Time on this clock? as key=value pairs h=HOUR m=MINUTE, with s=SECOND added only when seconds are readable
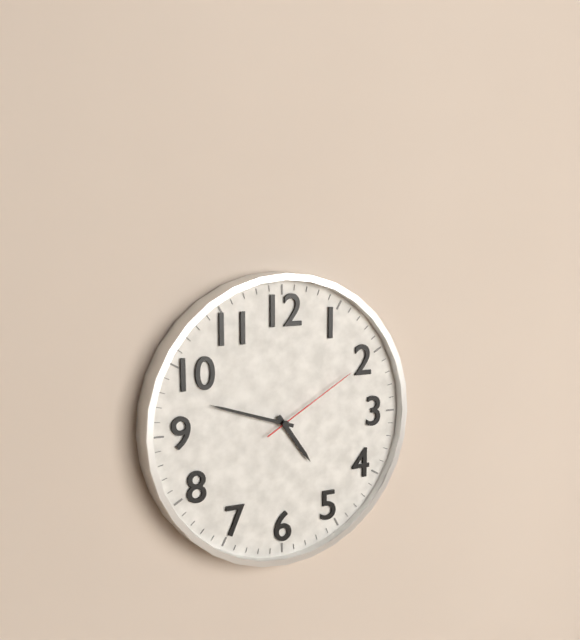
h=4 m=48 s=10
